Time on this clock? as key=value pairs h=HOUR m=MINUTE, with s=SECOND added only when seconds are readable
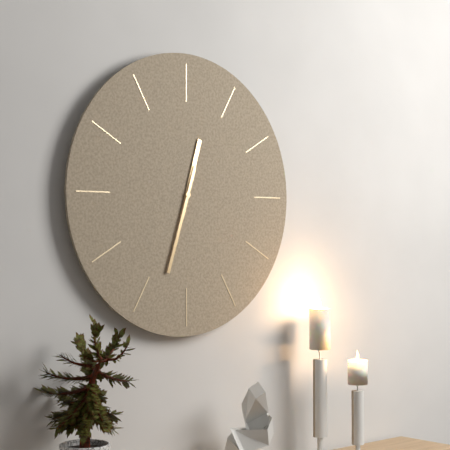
h=12 m=33
